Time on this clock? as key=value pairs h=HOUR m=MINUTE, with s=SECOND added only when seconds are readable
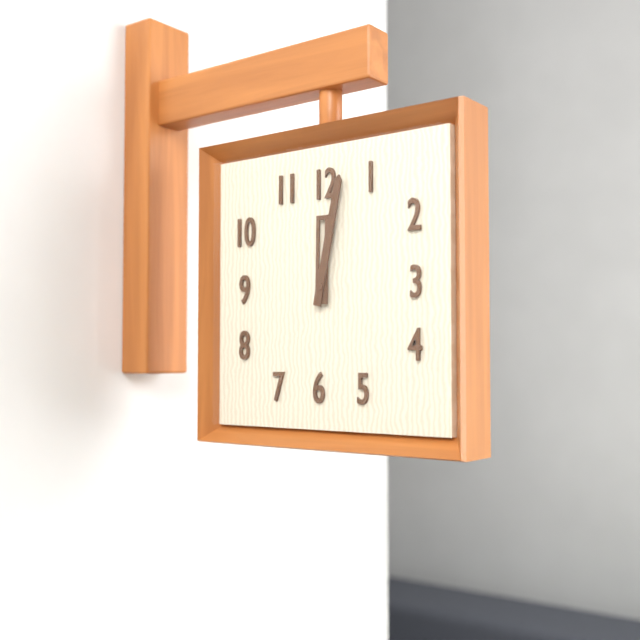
h=12 m=2
